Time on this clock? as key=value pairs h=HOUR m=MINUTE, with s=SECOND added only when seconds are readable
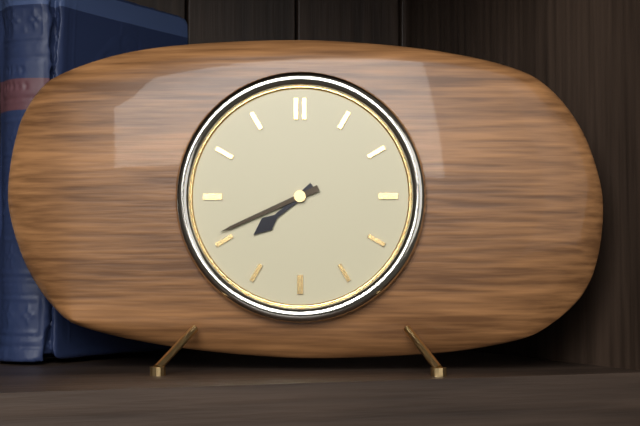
h=7 m=41
